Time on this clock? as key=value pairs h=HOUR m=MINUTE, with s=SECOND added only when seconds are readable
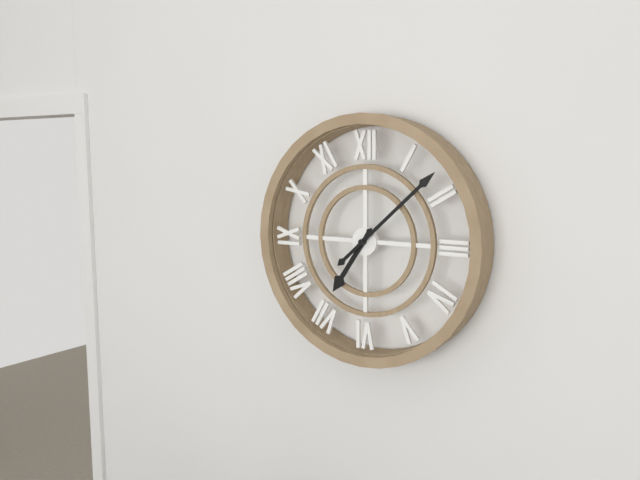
h=7 m=8
